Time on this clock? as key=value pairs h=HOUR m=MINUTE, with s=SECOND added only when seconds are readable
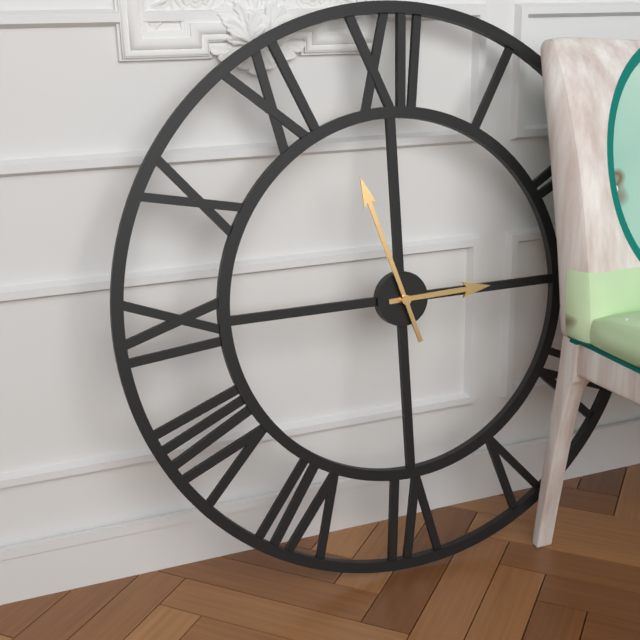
h=2 m=57
